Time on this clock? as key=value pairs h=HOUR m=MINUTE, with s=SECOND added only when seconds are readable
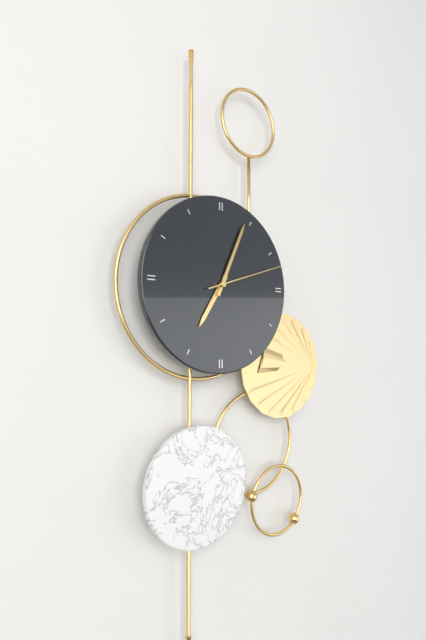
h=7 m=4 s=12
